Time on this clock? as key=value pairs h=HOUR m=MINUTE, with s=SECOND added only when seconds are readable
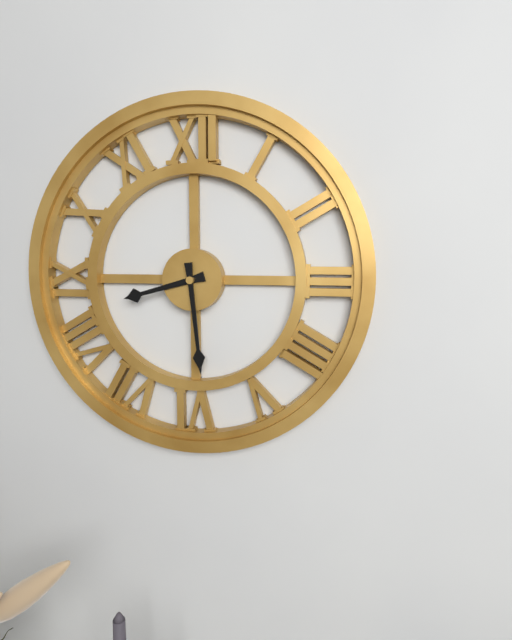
h=8 m=29
